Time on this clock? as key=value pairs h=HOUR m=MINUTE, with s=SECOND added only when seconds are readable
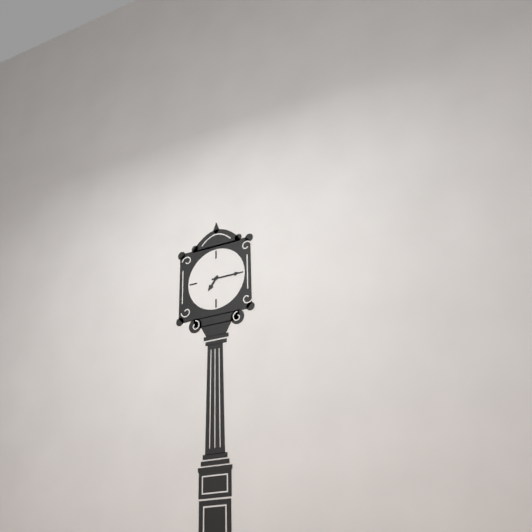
h=7 m=15
